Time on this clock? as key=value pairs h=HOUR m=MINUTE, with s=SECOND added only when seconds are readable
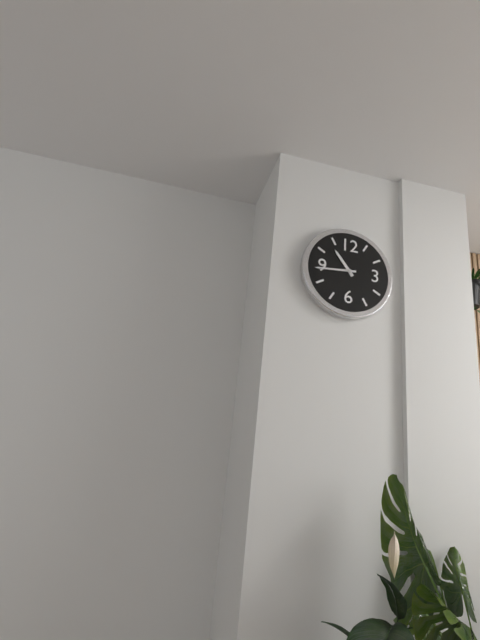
h=10 m=44
